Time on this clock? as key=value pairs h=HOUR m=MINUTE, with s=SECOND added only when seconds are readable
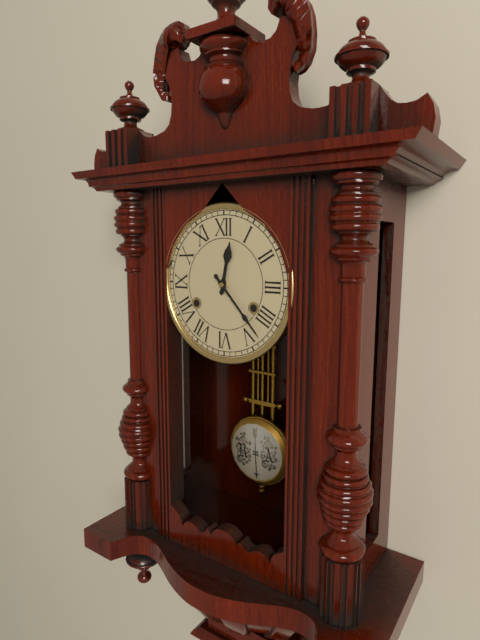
h=12 m=23
